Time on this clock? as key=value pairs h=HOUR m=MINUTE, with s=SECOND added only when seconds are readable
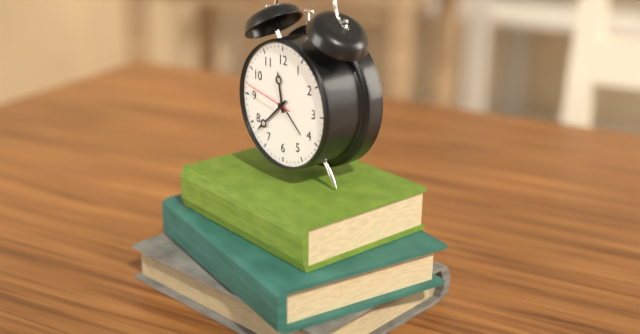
h=11 m=38 s=47
